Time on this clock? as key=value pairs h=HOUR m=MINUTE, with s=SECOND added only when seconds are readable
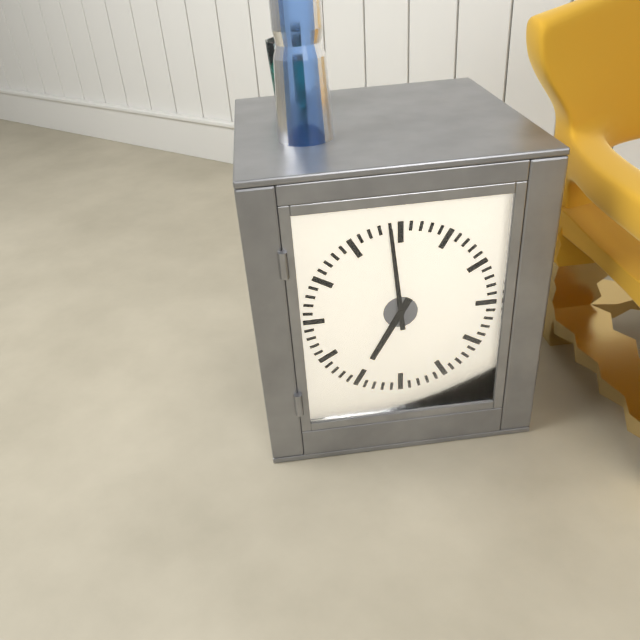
h=6 m=59
